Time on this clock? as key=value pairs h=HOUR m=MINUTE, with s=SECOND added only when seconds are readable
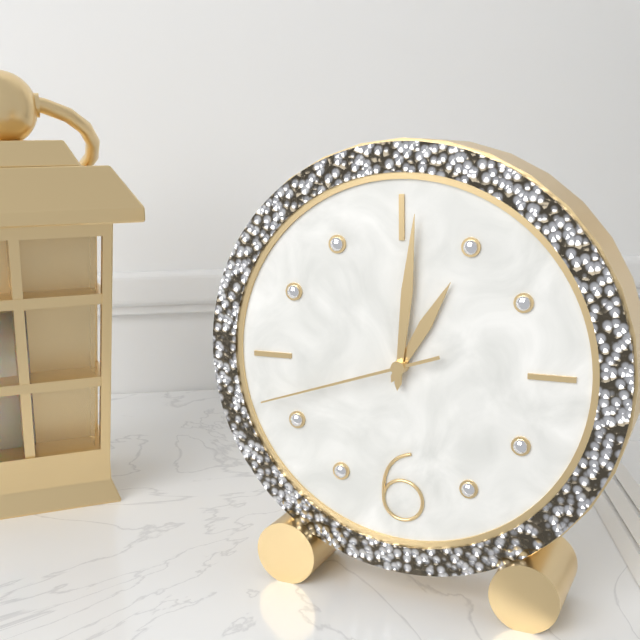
h=1 m=1 s=42
